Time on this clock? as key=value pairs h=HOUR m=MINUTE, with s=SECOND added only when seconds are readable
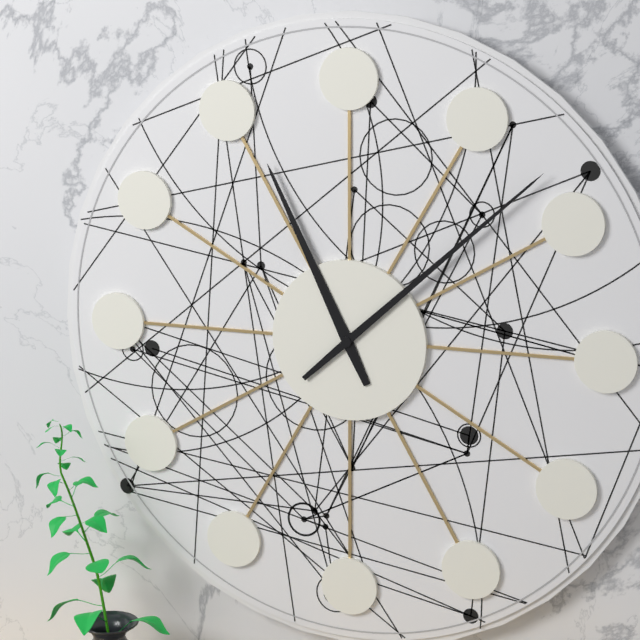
h=11 m=8
